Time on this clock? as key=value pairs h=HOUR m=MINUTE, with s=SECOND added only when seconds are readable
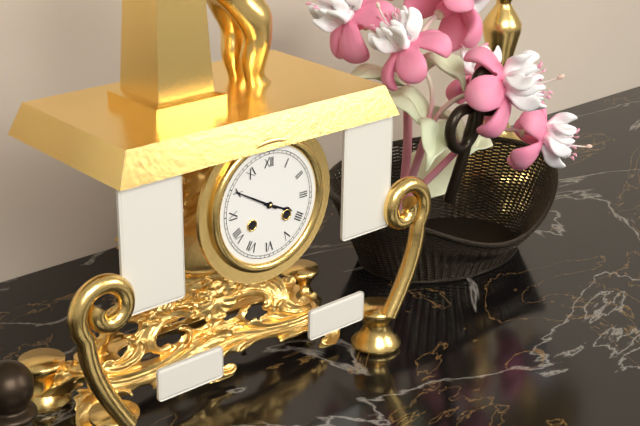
h=3 m=50
